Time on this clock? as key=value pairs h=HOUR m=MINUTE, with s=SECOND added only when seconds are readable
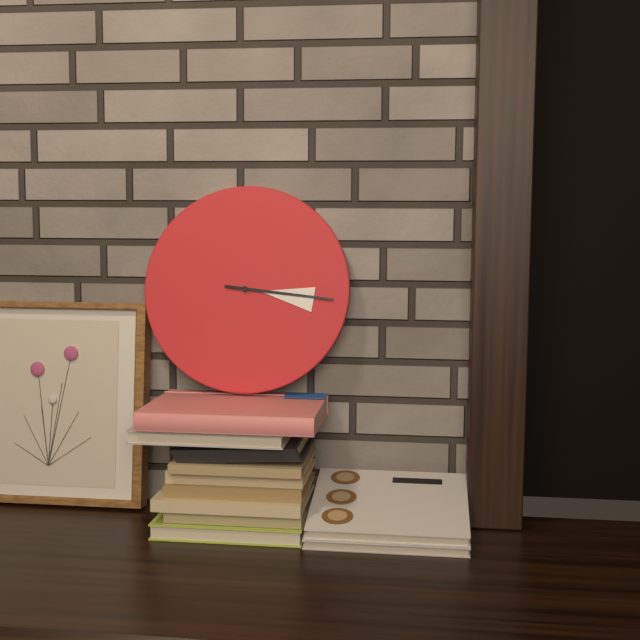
h=3 m=16
